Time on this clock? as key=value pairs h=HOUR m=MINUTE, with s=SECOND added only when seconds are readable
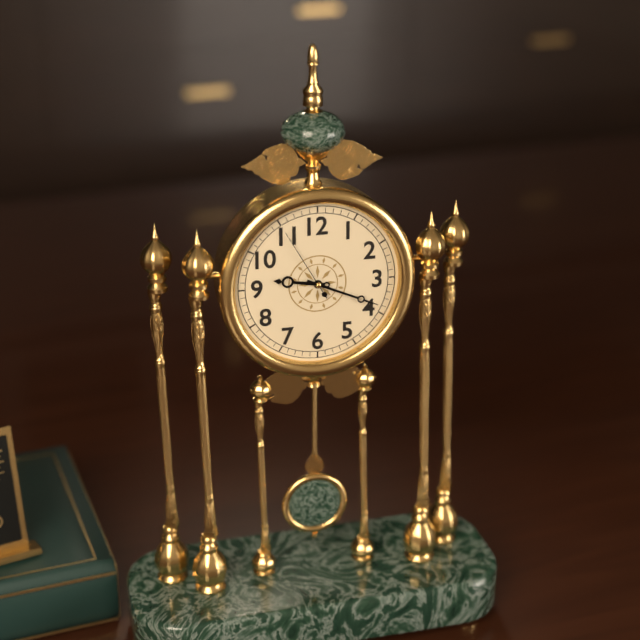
h=9 m=19 s=55
